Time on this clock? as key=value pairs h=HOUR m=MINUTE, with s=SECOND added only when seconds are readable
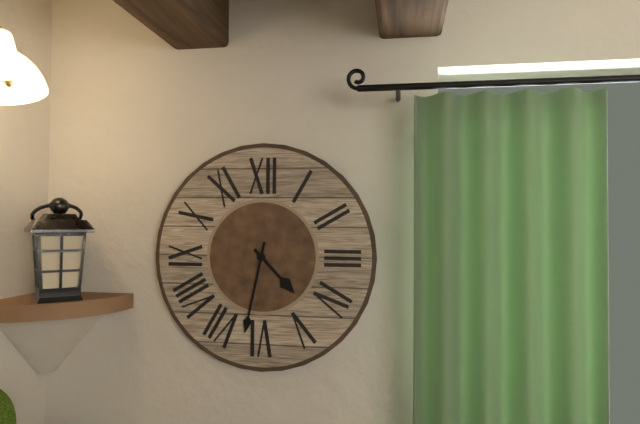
h=4 m=32
